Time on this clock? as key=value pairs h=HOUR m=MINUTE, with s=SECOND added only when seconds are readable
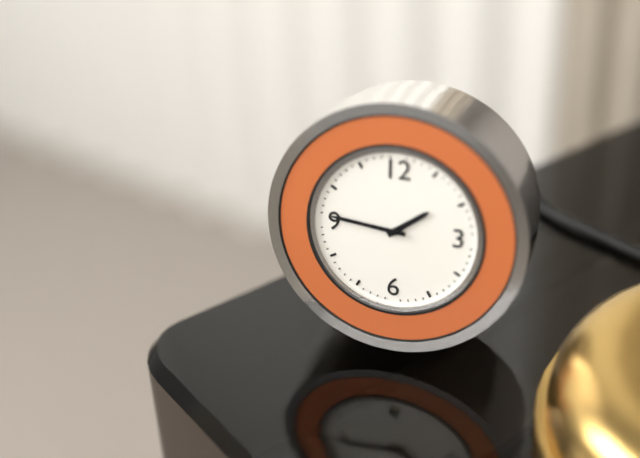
h=1 m=46
